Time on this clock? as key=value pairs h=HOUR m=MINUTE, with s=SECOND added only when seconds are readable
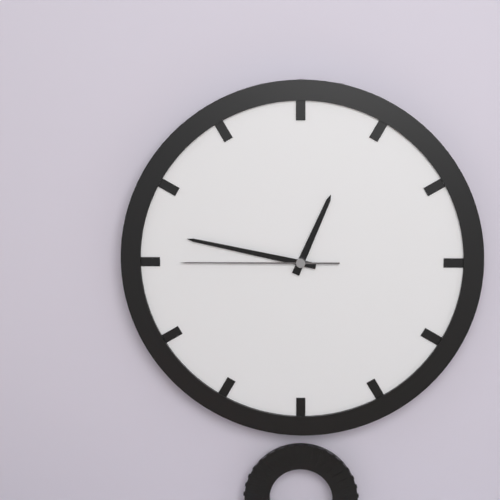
h=12 m=47 s=45
